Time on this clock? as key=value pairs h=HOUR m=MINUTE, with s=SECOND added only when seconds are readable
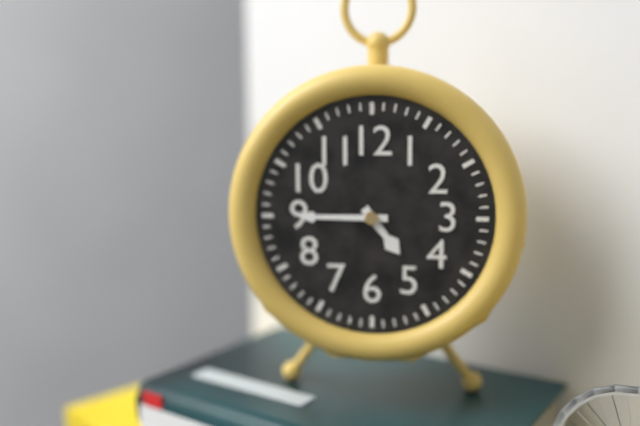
h=4 m=45
